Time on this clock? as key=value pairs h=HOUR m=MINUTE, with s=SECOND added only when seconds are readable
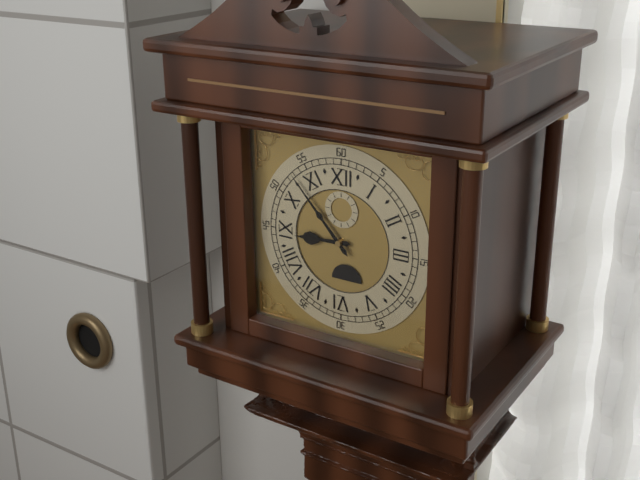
h=8 m=53
